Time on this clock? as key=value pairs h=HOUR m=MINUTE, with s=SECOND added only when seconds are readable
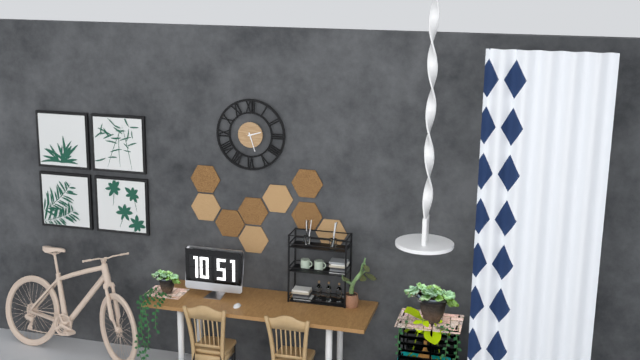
h=2 m=27
